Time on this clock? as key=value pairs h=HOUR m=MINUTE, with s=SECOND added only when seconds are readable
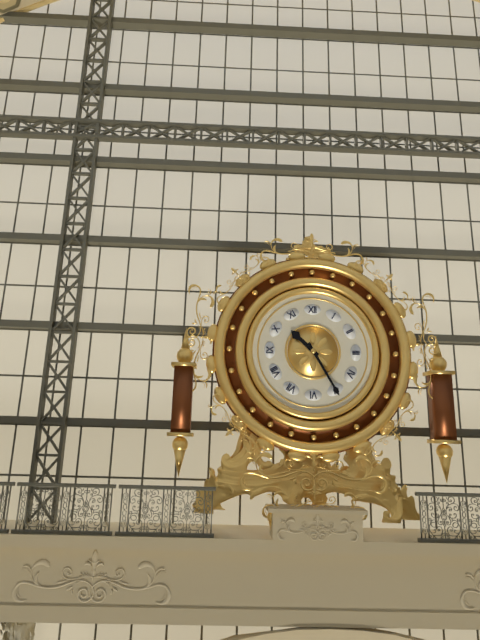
h=10 m=25
